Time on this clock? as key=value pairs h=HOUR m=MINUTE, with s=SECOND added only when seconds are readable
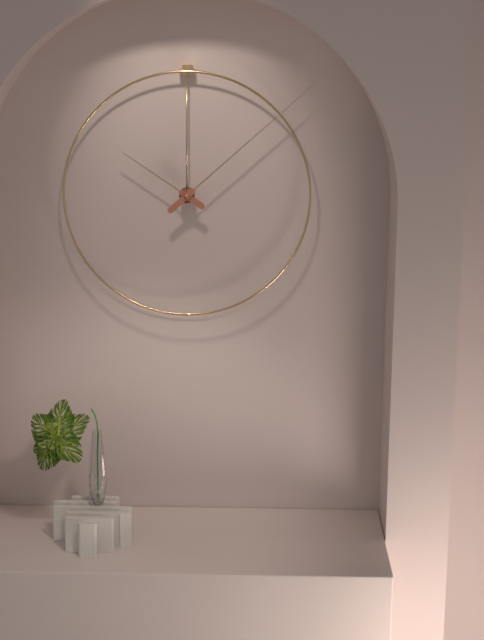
h=10 m=8
